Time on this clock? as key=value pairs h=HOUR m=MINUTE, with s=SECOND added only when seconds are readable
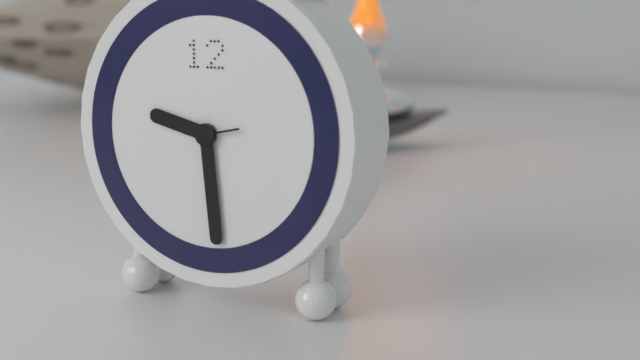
h=9 m=29
